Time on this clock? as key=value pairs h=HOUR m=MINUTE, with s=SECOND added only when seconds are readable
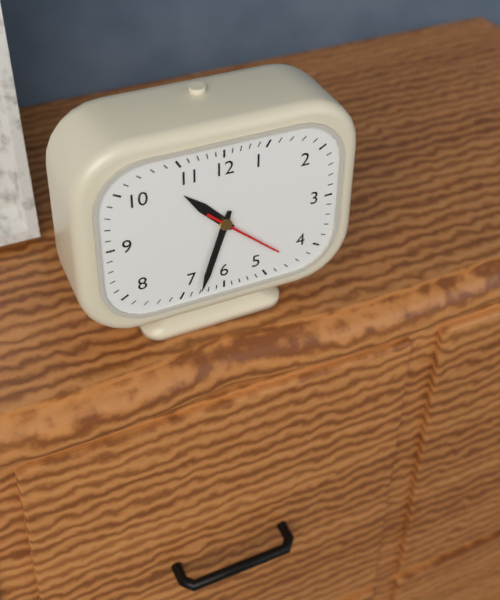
h=10 m=33 s=22
